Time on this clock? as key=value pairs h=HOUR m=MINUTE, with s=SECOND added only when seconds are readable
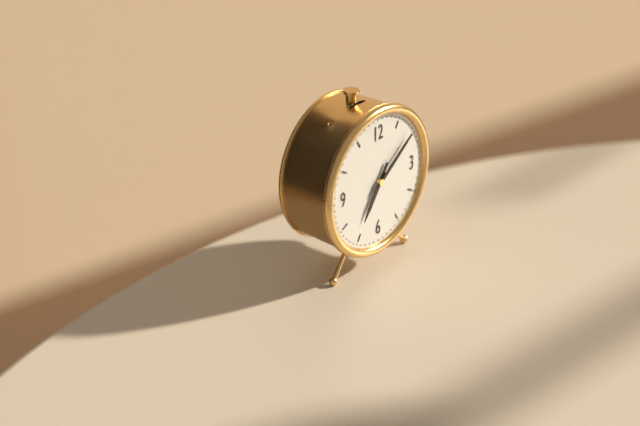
h=7 m=9
